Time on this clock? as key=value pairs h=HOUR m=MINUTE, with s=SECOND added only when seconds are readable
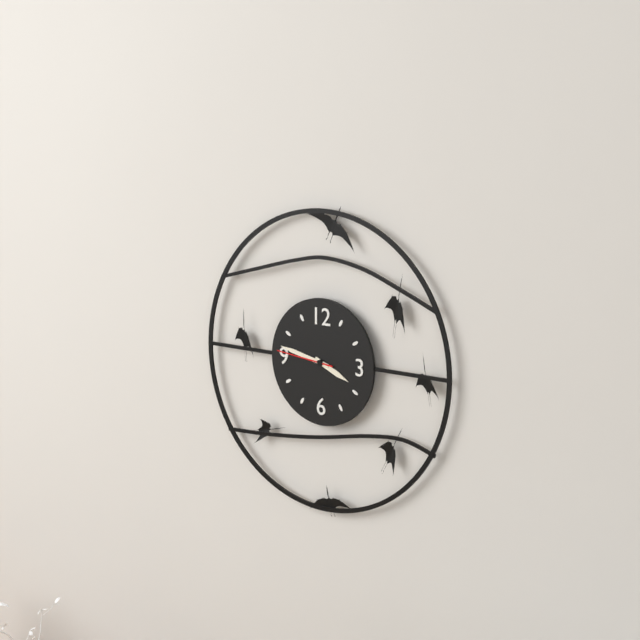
h=3 m=47 s=46
